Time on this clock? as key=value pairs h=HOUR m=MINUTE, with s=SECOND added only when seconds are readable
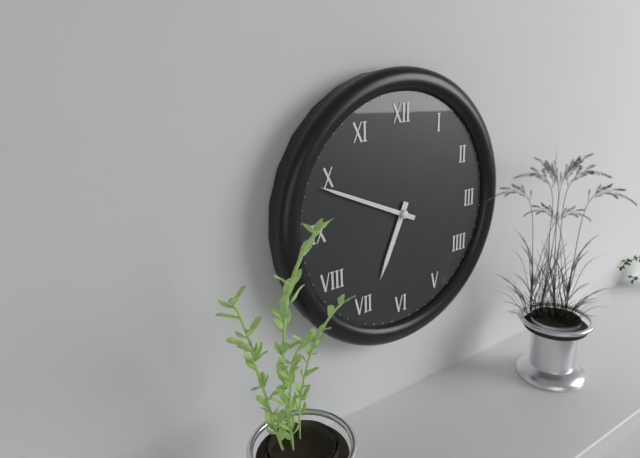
h=6 m=49
